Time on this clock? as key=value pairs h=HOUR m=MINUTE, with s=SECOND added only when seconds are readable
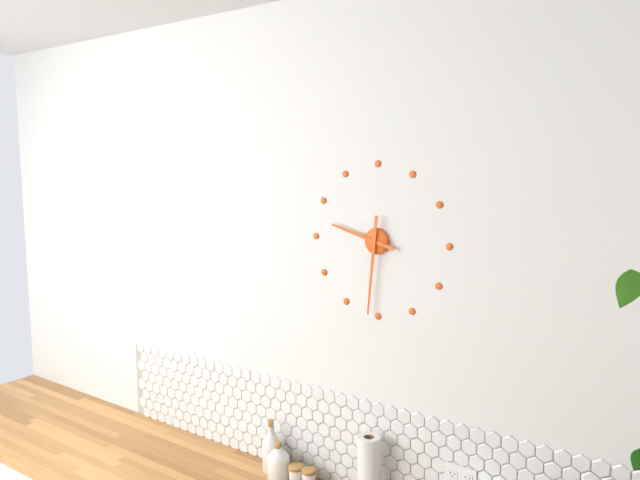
h=9 m=31
